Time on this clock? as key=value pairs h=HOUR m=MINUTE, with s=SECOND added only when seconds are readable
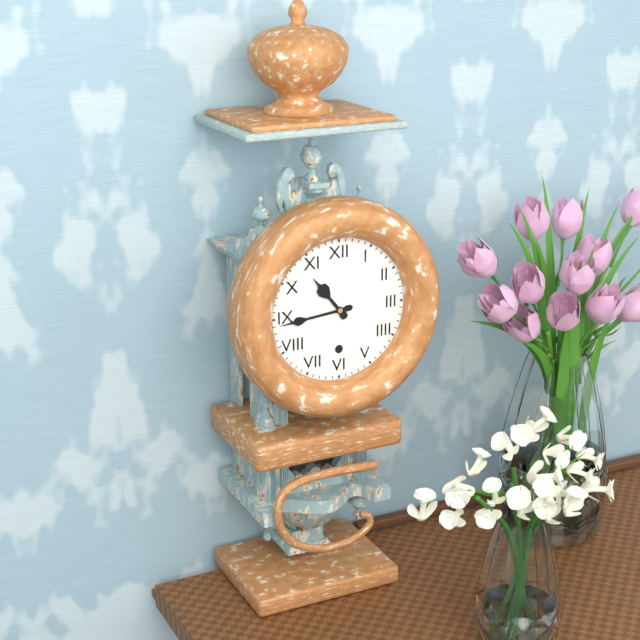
h=10 m=44
